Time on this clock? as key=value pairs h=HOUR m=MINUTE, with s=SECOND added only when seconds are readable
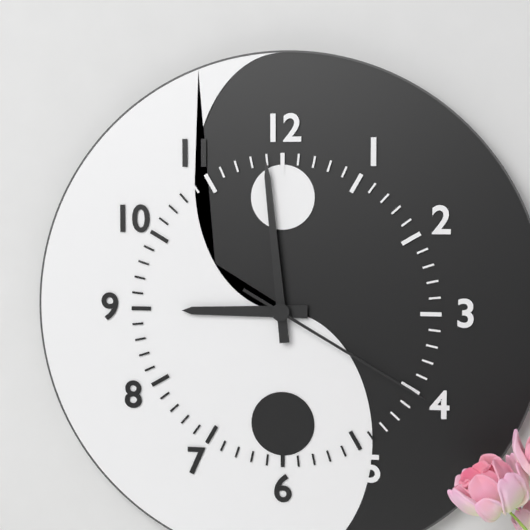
h=8 m=59 s=20
